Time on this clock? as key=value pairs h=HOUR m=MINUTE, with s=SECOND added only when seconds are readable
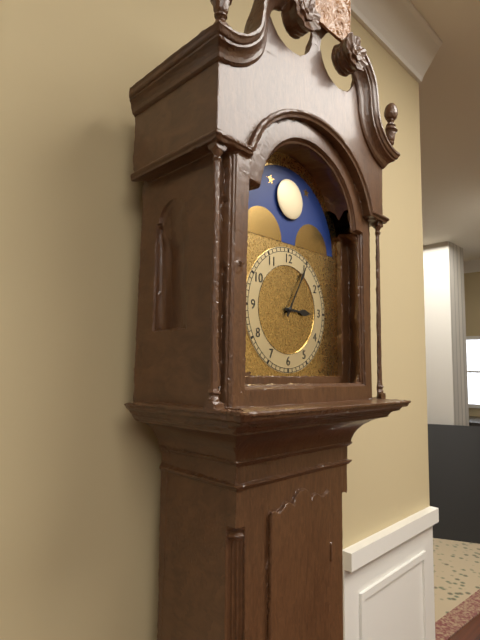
h=3 m=5
